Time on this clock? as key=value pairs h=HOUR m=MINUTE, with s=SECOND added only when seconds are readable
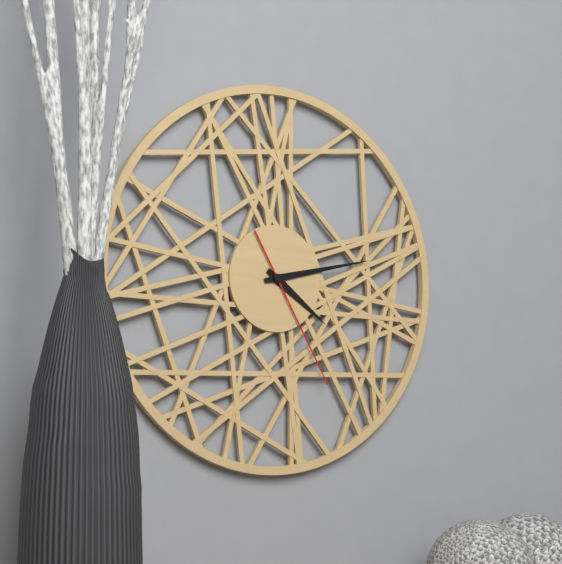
h=4 m=13 s=25
